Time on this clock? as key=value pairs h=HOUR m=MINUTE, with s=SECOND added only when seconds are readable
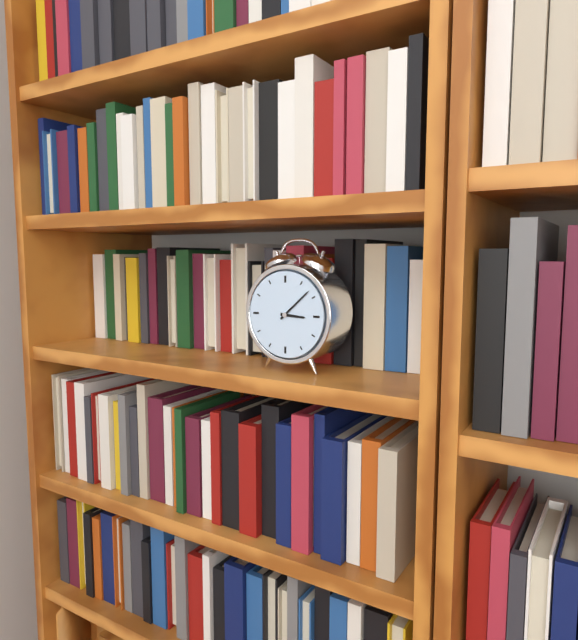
h=3 m=8
